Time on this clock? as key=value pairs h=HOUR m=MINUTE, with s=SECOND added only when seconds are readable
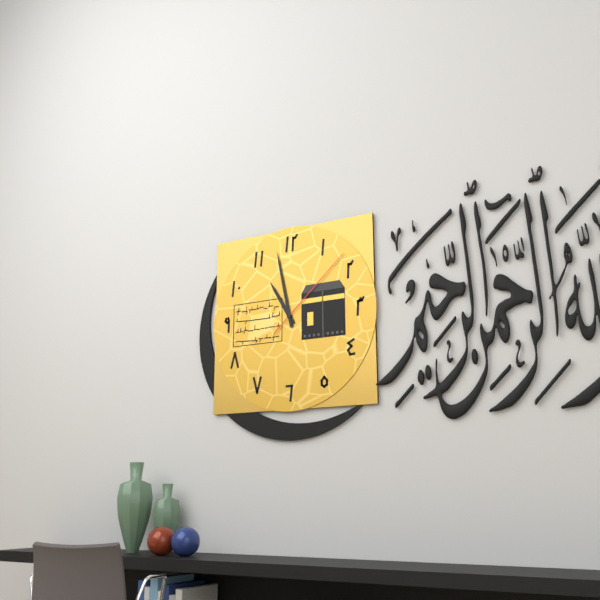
h=10 m=58 s=8
